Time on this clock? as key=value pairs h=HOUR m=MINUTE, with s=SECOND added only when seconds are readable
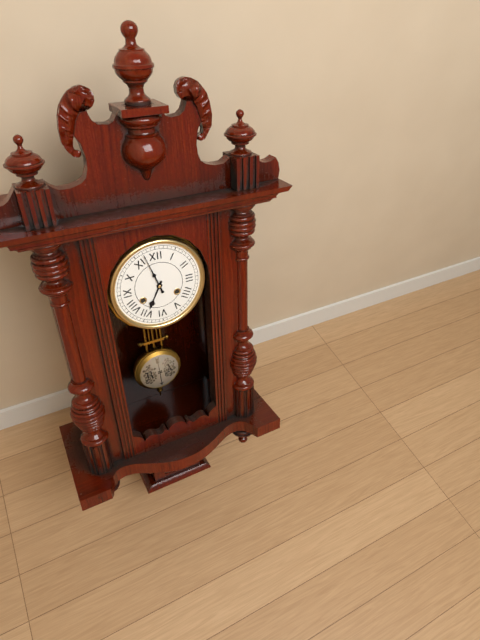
h=6 m=57
